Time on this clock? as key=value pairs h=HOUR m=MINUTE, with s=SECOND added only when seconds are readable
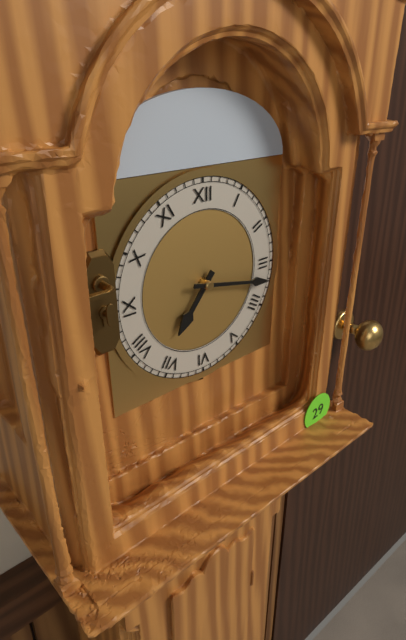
h=7 m=17
